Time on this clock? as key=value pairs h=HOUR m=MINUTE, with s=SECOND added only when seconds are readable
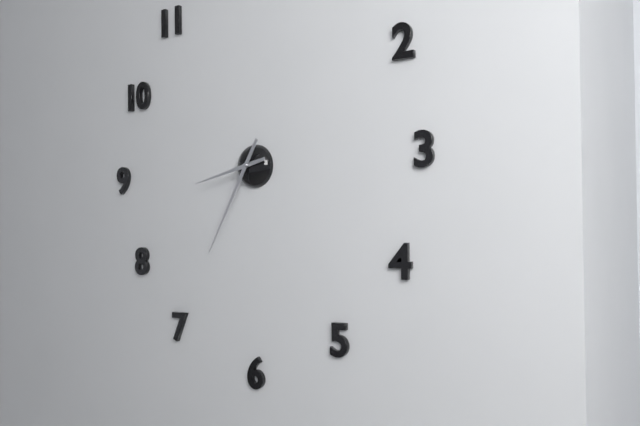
h=8 m=35
